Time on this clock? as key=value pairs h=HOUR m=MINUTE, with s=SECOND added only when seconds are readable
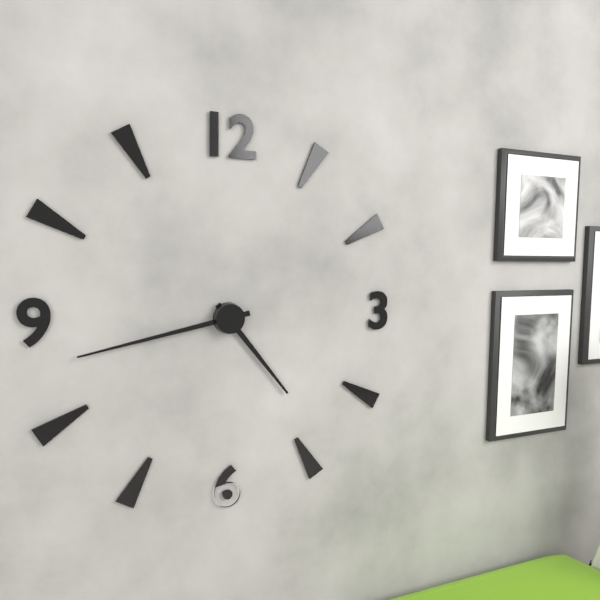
h=4 m=43
